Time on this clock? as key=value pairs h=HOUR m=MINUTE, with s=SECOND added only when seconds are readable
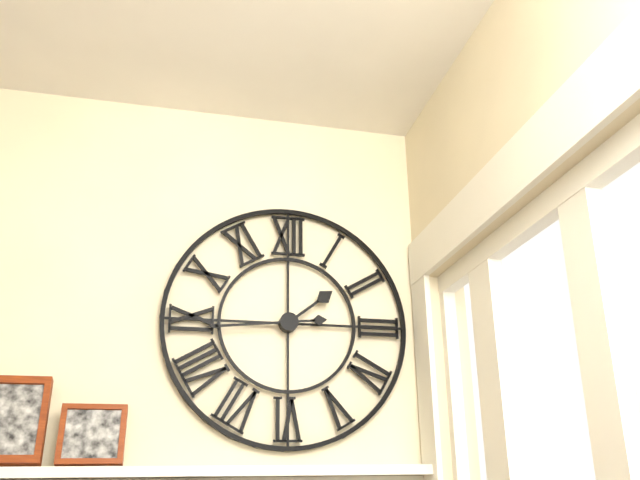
h=1 m=44
